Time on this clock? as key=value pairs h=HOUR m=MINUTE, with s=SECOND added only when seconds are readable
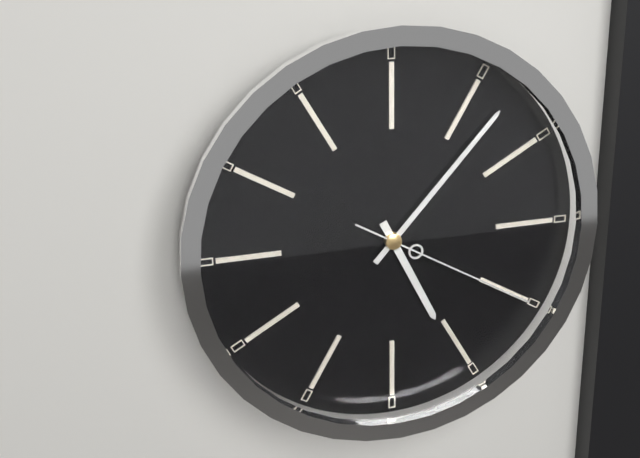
h=5 m=7 s=20
